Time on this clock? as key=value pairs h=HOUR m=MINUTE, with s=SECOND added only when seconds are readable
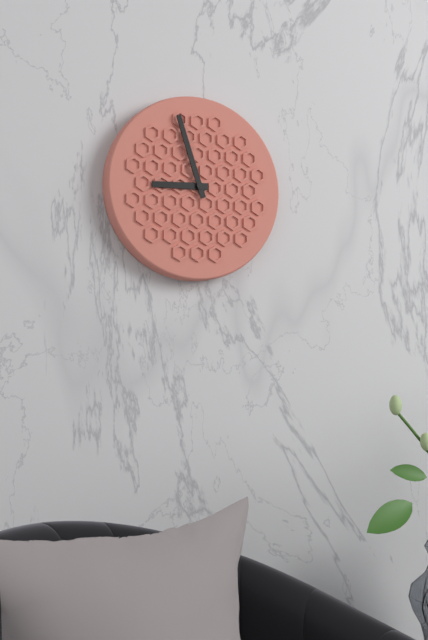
h=8 m=57
